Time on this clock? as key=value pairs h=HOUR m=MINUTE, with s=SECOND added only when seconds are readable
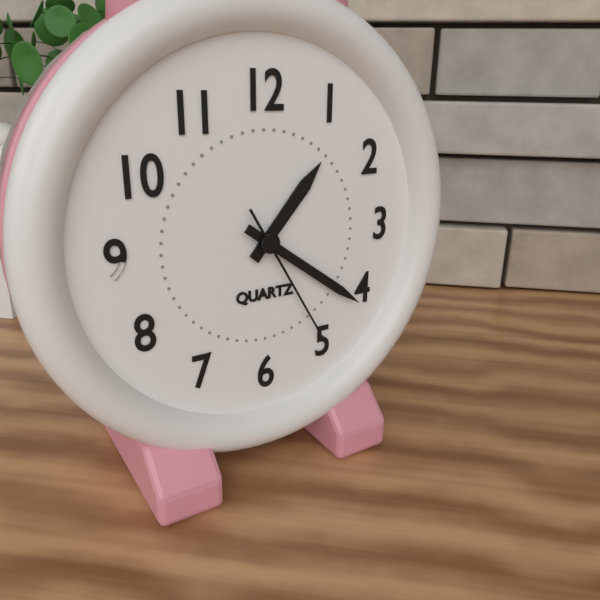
h=1 m=21 s=25
